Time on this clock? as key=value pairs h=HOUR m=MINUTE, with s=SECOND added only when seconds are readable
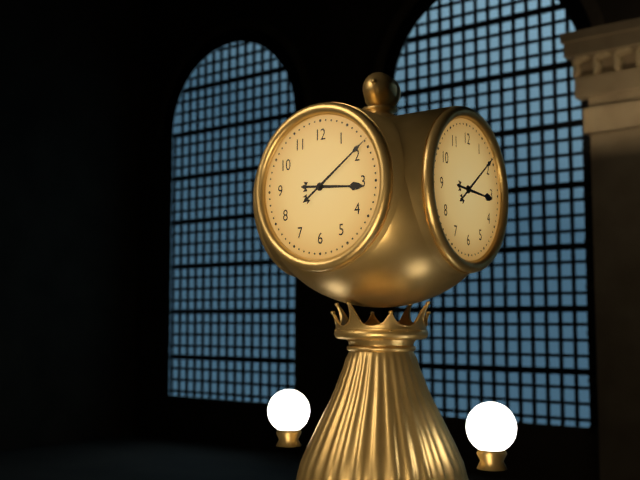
h=3 m=9
